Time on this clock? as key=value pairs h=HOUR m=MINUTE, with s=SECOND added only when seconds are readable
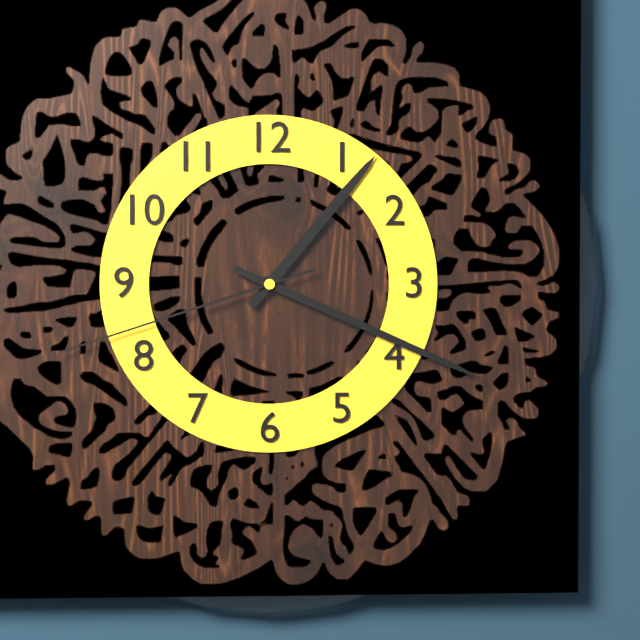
h=1 m=19 s=42
